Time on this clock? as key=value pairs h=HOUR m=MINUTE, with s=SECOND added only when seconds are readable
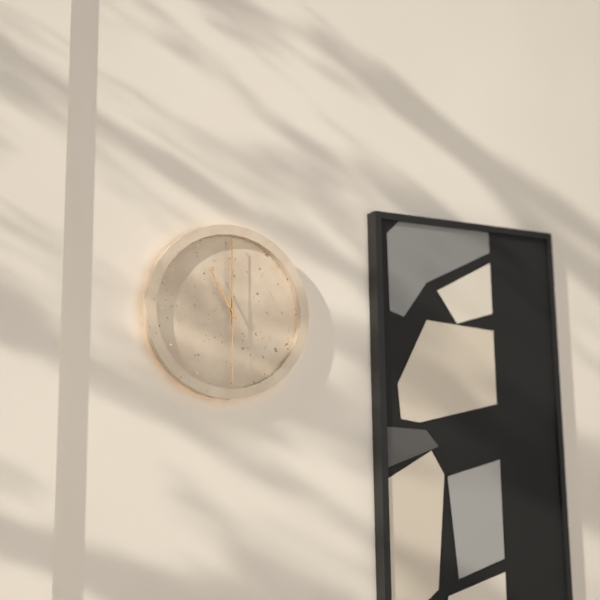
h=11 m=0 s=30
